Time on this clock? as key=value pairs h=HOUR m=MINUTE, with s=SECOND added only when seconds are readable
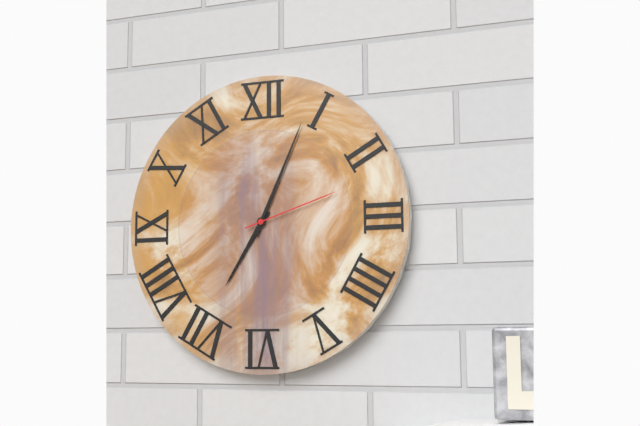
h=7 m=4 s=12
